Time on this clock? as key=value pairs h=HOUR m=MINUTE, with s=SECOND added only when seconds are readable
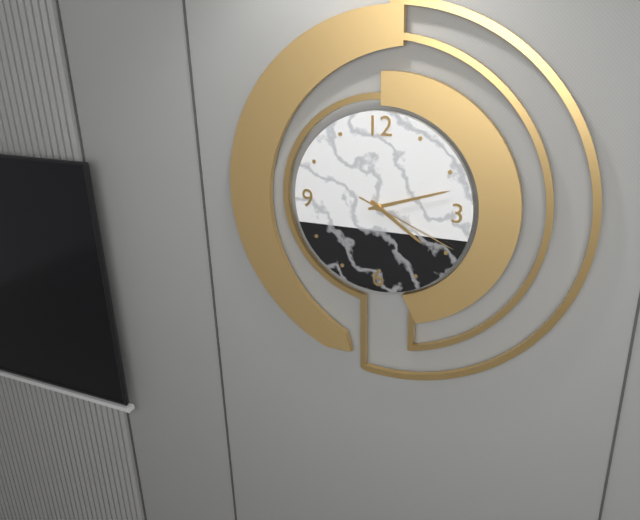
h=4 m=12 s=19
